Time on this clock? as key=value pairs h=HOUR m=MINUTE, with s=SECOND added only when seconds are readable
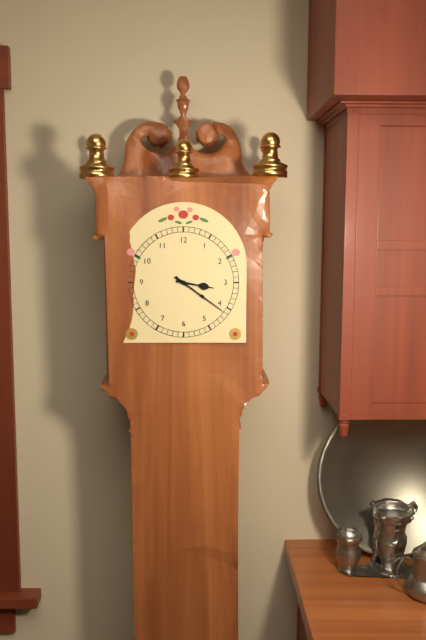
h=3 m=21
